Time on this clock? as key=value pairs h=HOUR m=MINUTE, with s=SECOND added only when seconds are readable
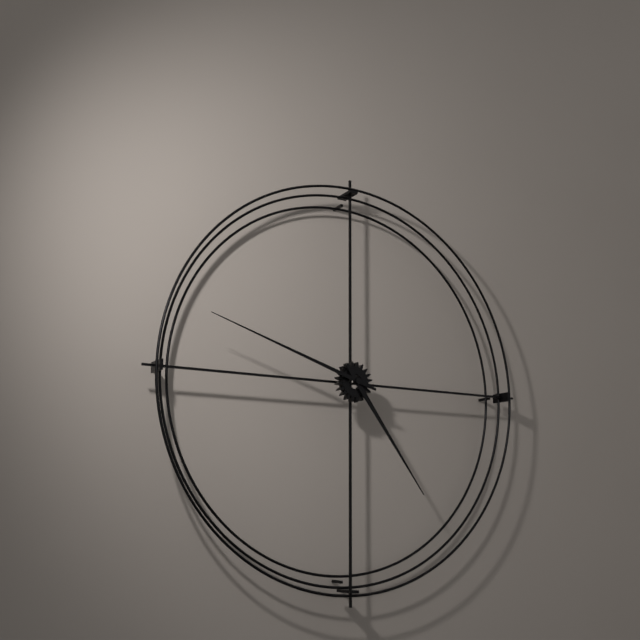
h=4 m=48
